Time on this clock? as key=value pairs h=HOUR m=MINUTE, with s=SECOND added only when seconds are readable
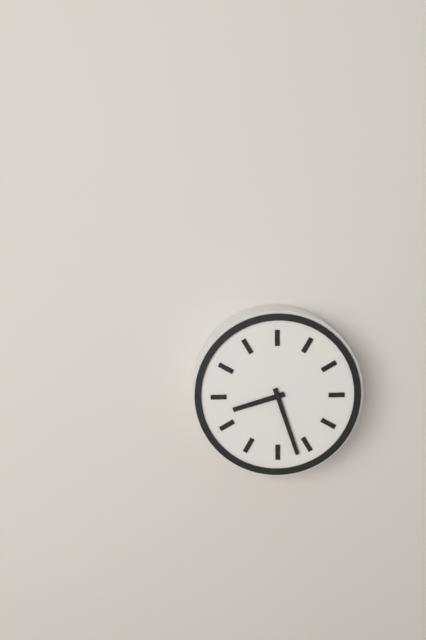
h=8 m=27
